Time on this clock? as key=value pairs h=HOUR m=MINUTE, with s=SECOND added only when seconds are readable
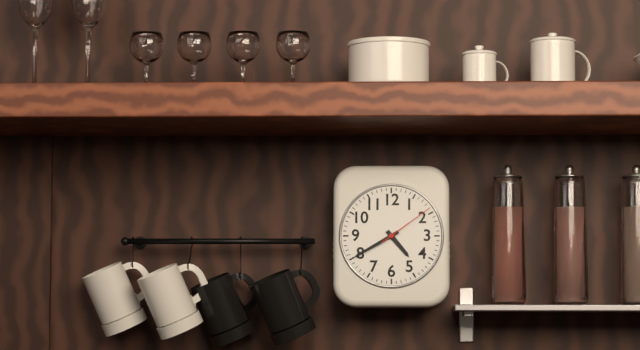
h=4 m=40 s=9
